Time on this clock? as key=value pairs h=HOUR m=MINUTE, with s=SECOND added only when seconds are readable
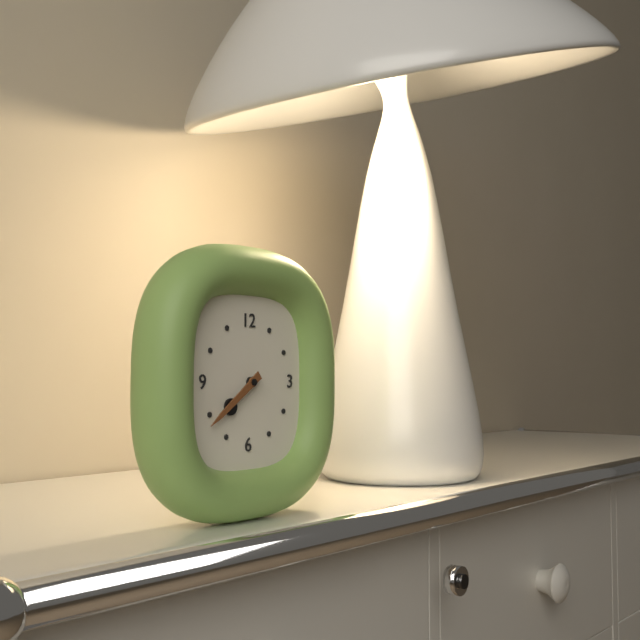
h=7 m=39
